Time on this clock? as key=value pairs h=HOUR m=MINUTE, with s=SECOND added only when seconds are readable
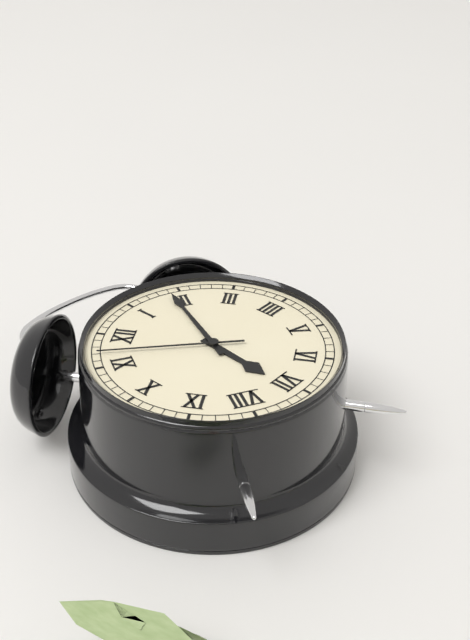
h=7 m=9 s=57
